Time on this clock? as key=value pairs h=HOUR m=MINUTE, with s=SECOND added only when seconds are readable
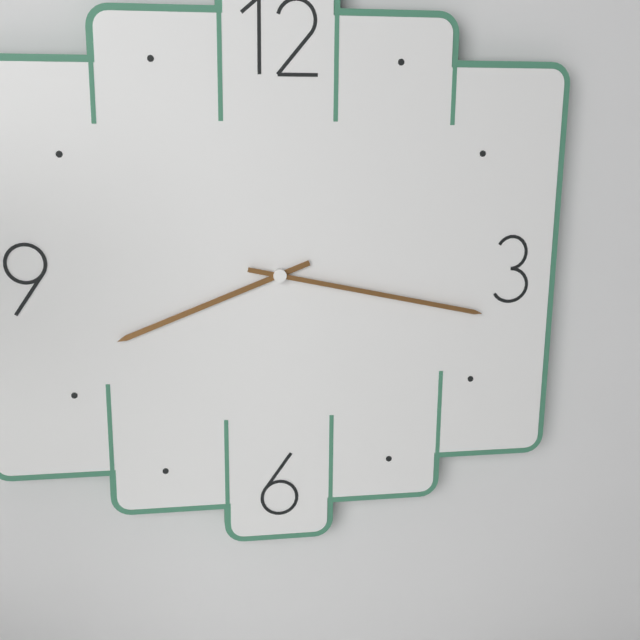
h=8 m=17
